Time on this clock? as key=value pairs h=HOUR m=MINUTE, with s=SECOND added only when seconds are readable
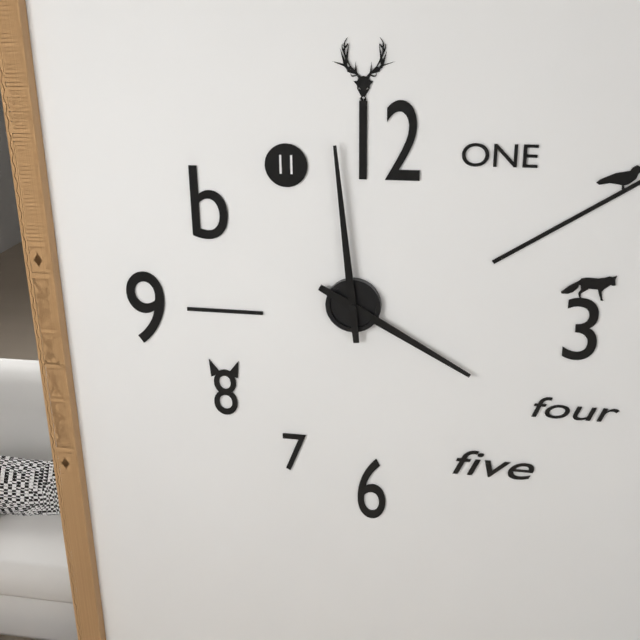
h=3 m=59
